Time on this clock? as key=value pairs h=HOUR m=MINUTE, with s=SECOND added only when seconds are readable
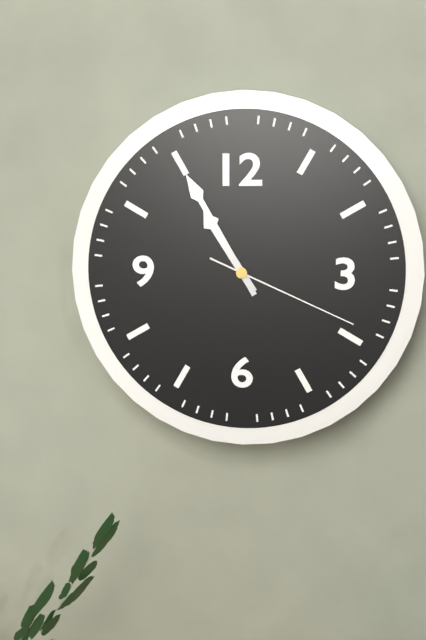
h=10 m=55 s=19
